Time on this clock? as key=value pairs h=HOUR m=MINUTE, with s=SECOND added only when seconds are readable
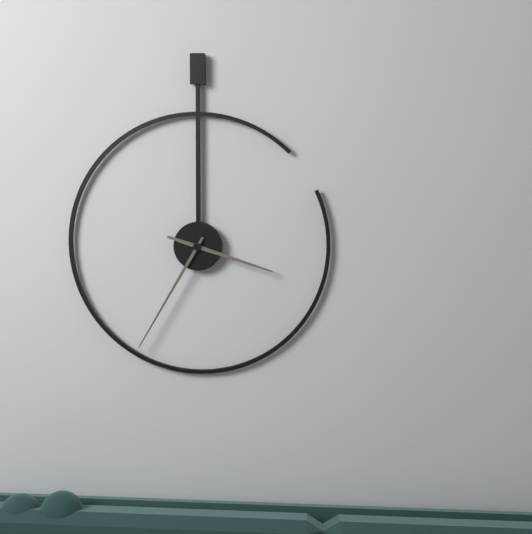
h=3 m=35
